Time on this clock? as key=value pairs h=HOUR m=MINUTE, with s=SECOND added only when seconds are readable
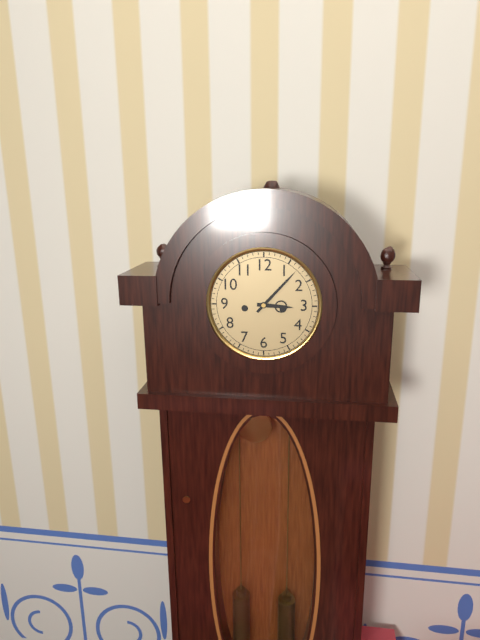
h=3 m=7
